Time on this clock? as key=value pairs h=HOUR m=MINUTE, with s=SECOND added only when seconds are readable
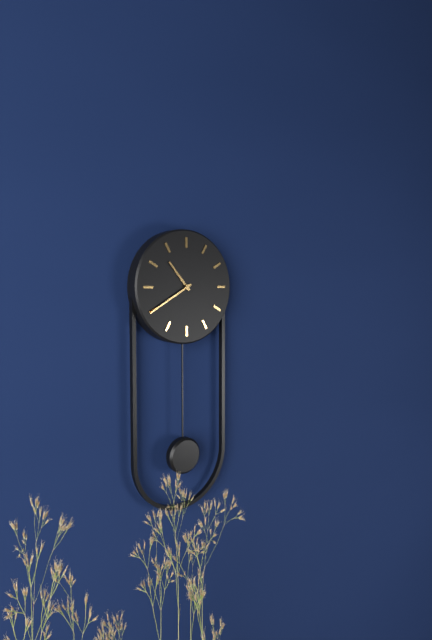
h=10 m=40
